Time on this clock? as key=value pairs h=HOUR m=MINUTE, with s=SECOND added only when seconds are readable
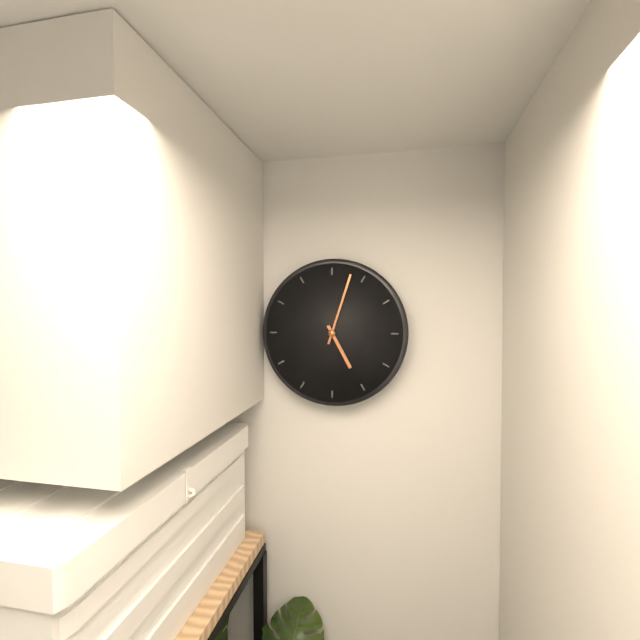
h=5 m=3
